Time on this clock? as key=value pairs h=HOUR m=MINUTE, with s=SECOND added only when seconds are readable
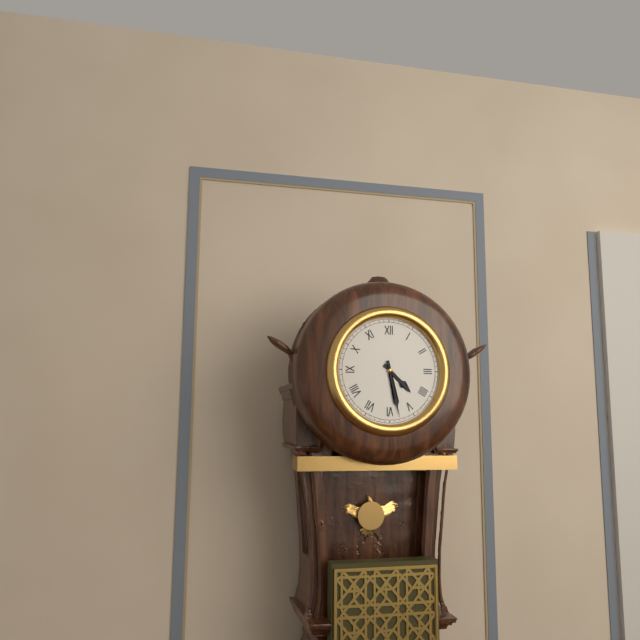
h=4 m=28
